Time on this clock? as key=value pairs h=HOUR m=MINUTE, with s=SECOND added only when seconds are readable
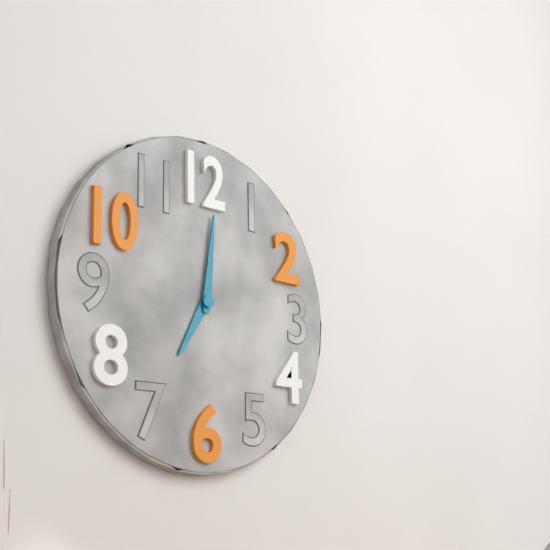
h=7 m=1
